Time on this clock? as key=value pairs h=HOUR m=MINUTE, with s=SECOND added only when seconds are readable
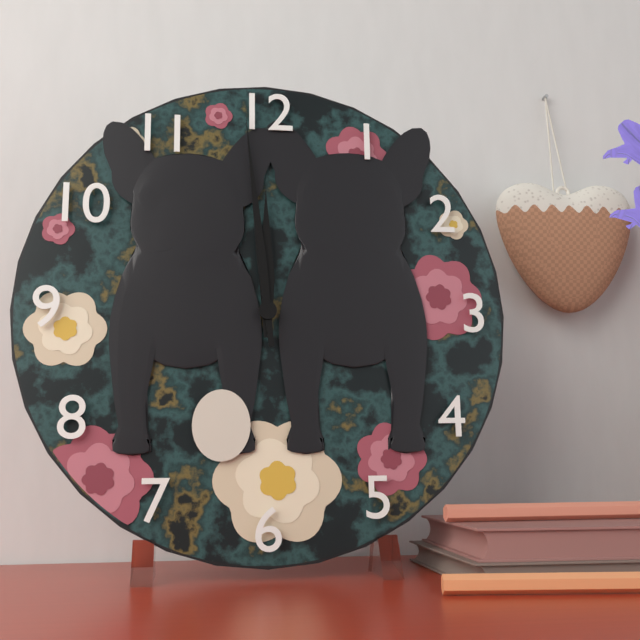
h=11 m=59
